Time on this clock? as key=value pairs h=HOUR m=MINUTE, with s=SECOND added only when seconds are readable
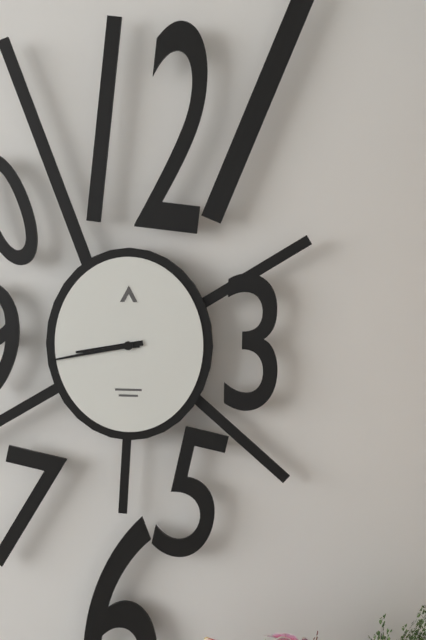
h=8 m=43
